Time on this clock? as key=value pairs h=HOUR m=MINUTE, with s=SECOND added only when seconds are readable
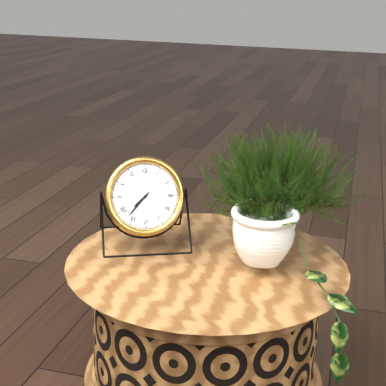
h=7 m=37
